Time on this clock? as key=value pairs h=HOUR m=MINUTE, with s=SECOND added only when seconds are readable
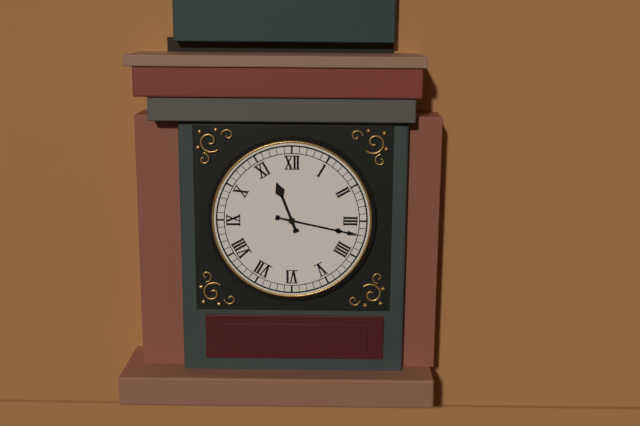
h=11 m=17
